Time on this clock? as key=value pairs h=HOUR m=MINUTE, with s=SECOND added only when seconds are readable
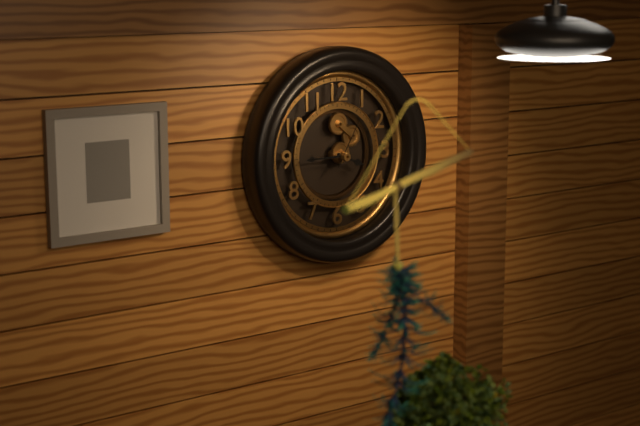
h=3 m=45 s=5
